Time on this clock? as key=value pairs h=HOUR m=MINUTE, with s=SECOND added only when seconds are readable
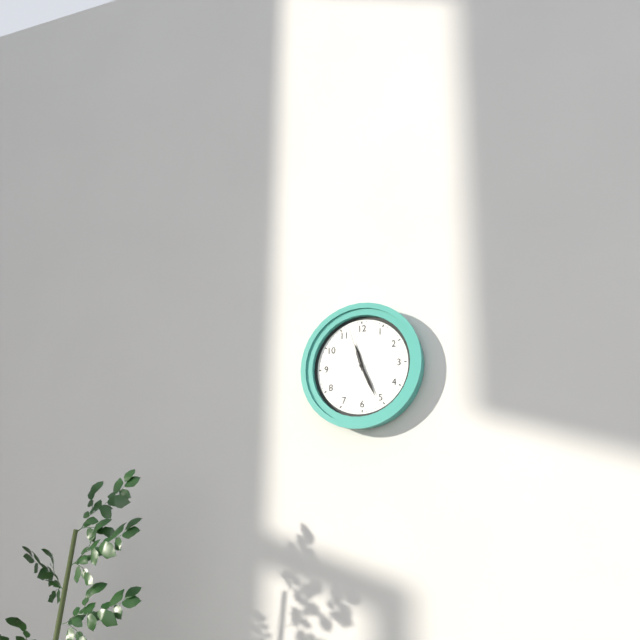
h=11 m=26
